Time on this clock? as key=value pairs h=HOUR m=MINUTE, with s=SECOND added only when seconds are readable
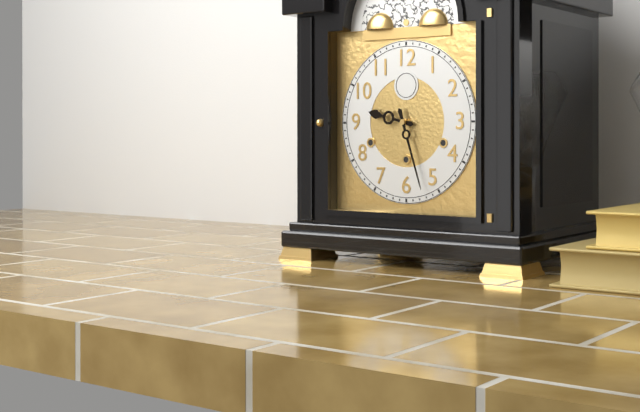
h=9 m=27
